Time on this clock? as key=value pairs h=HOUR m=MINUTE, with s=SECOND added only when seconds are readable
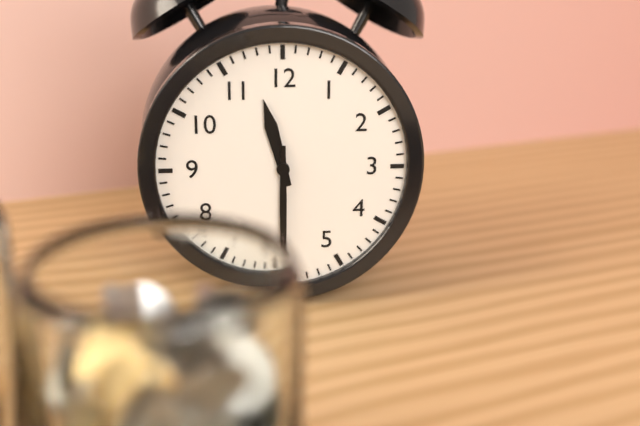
h=11 m=30
